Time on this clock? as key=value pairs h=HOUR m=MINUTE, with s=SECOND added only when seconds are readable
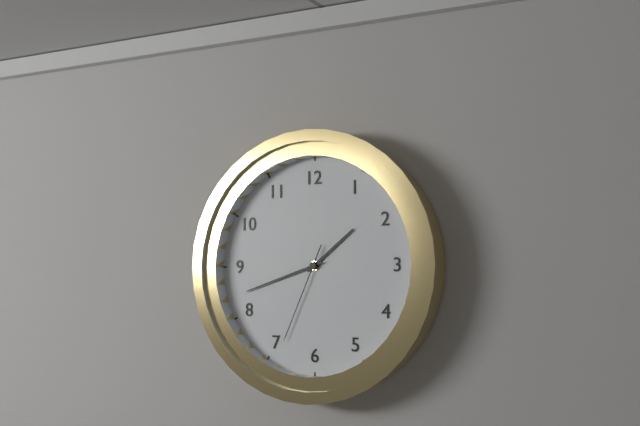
h=1 m=42 s=34
